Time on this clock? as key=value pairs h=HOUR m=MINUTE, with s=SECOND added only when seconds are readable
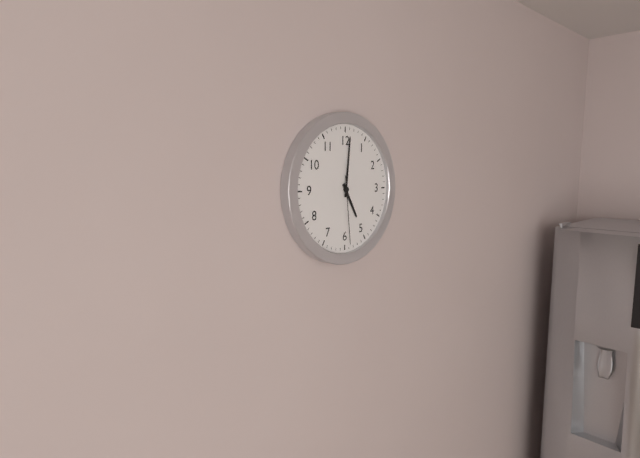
h=5 m=1 s=29
